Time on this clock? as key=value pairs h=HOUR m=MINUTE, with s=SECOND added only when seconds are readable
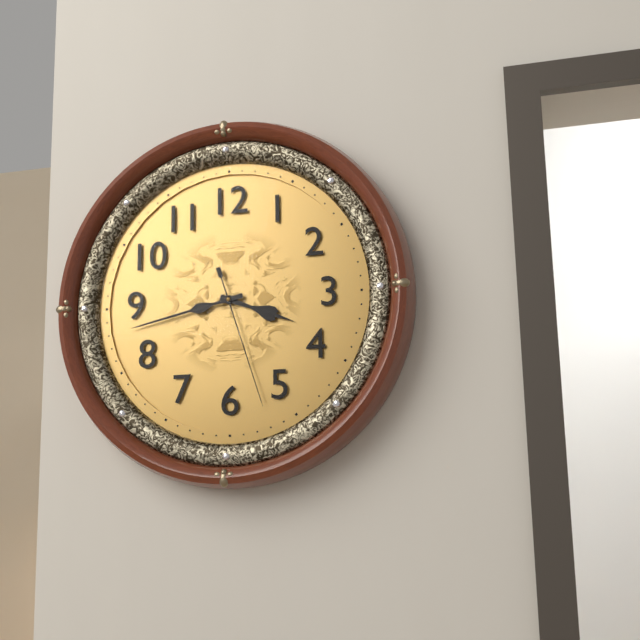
h=3 m=43 s=27
